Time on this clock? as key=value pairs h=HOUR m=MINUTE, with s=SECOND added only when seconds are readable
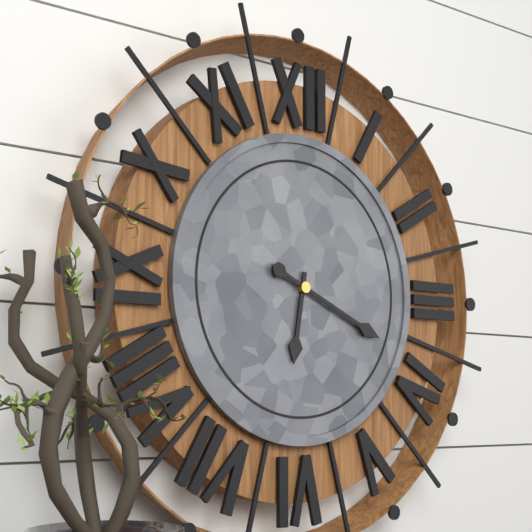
h=6 m=19
